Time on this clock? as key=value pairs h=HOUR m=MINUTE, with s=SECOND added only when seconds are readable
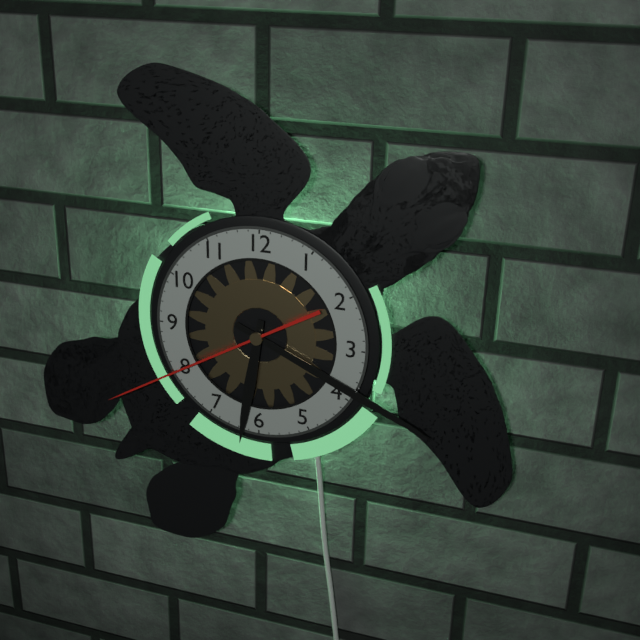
h=6 m=19 s=40
